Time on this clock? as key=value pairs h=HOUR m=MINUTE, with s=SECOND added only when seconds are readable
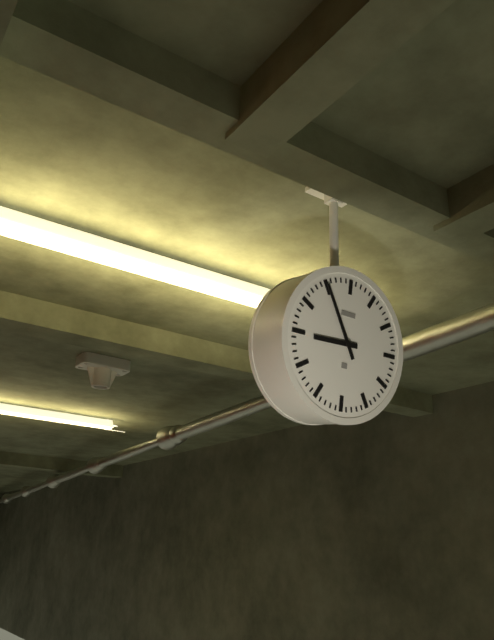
h=8 m=55
